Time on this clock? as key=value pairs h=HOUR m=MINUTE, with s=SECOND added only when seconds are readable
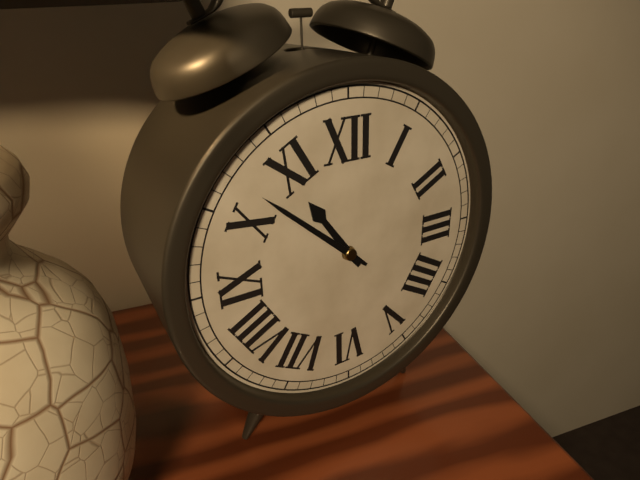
h=10 m=52
